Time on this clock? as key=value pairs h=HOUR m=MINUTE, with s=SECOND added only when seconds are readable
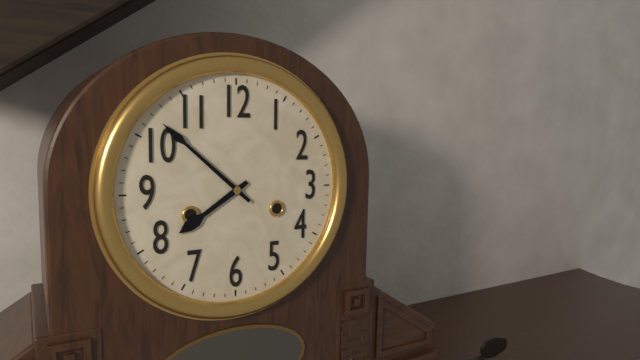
h=7 m=52
